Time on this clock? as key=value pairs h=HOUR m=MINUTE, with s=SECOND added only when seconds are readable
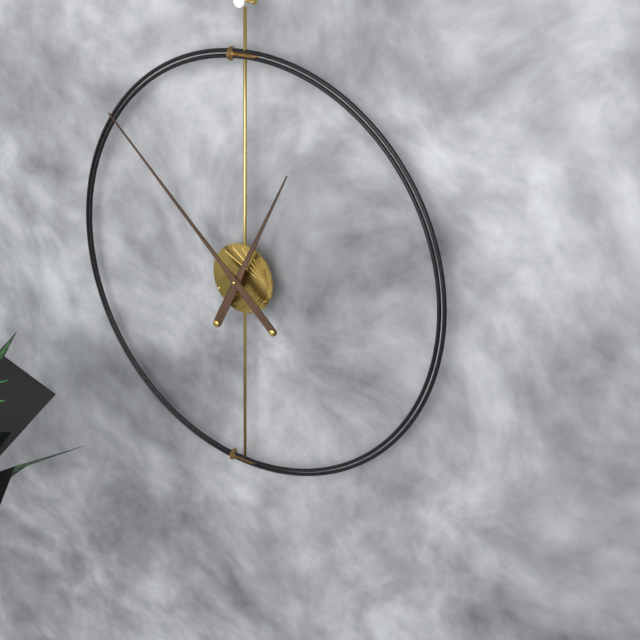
h=12 m=52
